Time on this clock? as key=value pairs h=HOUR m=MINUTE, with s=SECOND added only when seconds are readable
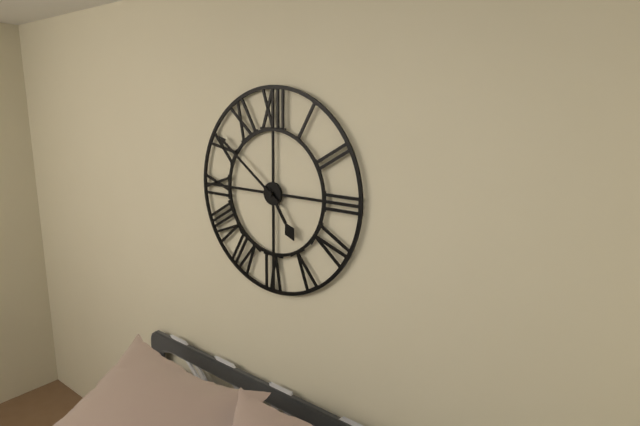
h=4 m=51
